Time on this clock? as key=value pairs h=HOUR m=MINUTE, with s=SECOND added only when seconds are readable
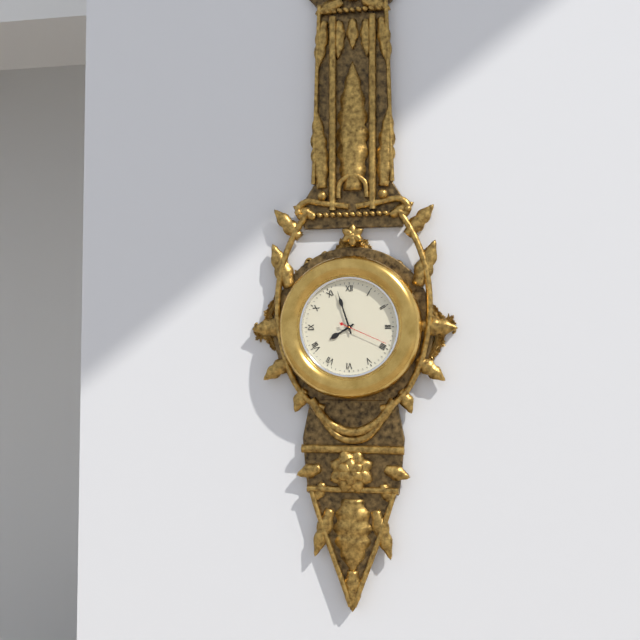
h=7 m=57
